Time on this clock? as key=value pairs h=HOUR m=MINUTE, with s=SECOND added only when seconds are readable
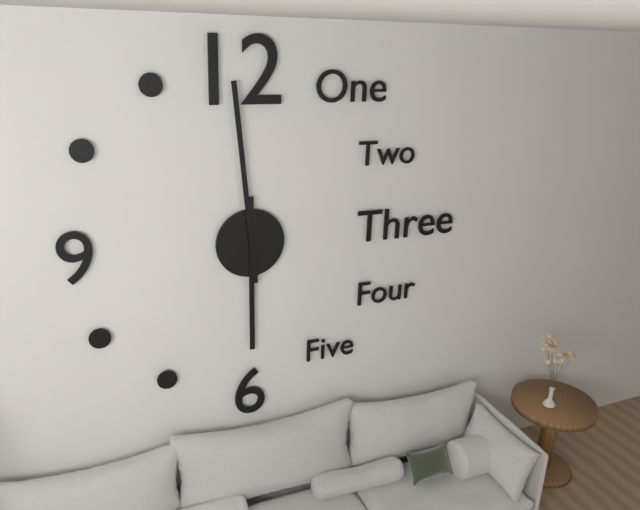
h=5 m=59
